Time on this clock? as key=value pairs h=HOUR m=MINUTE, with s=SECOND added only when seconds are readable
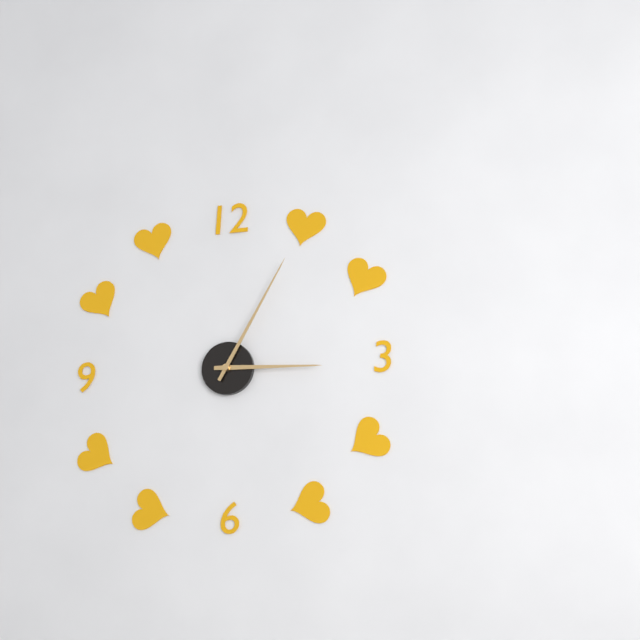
h=3 m=5
